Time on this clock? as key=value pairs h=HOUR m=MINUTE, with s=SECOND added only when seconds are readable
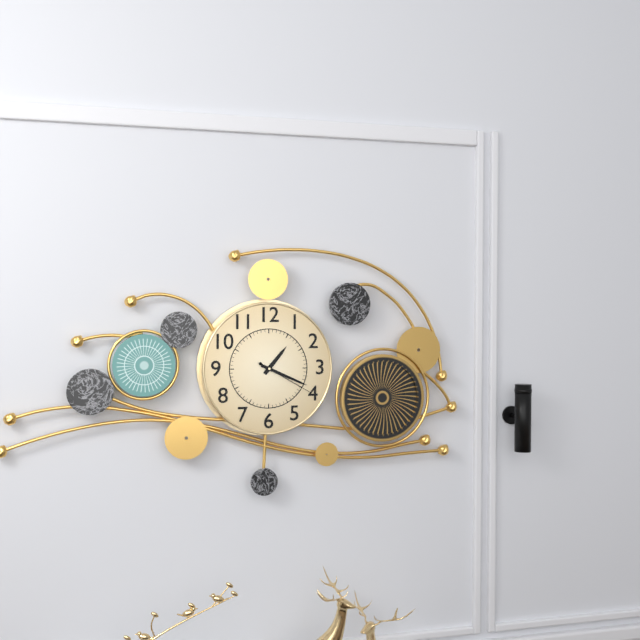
h=1 m=19 s=20
